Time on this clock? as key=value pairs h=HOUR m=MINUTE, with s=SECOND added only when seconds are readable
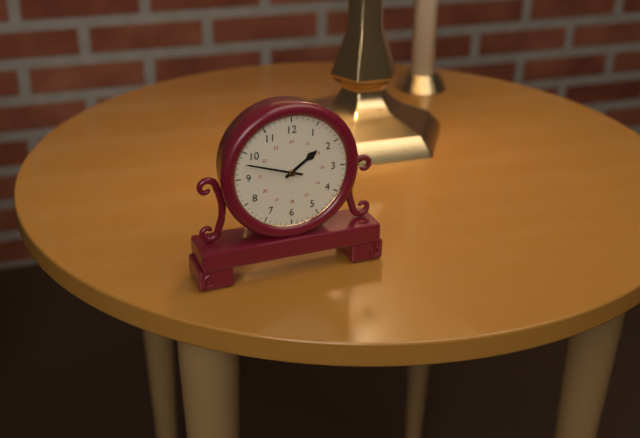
h=1 m=48
